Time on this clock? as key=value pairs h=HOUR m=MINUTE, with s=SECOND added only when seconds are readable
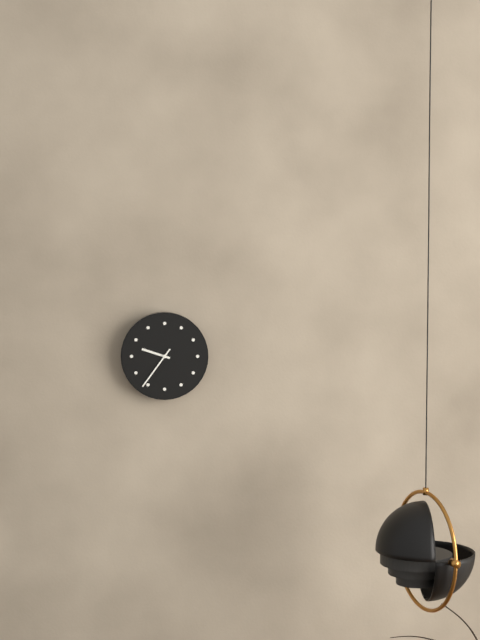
h=9 m=36
